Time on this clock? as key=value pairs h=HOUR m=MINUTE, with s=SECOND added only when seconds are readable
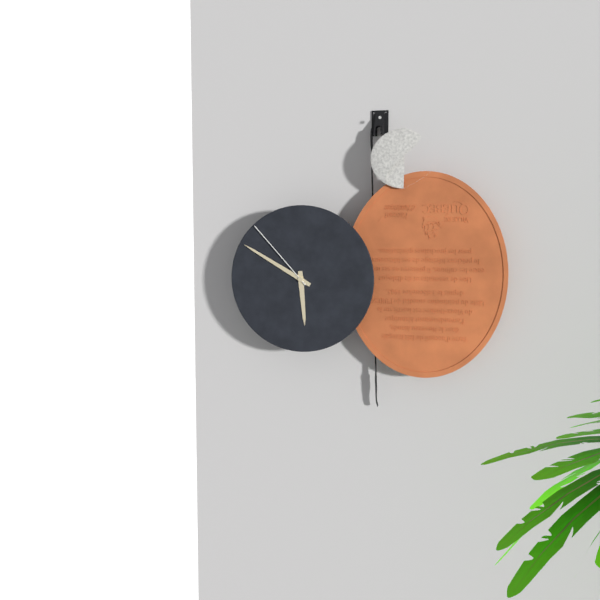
h=5 m=50 s=53
